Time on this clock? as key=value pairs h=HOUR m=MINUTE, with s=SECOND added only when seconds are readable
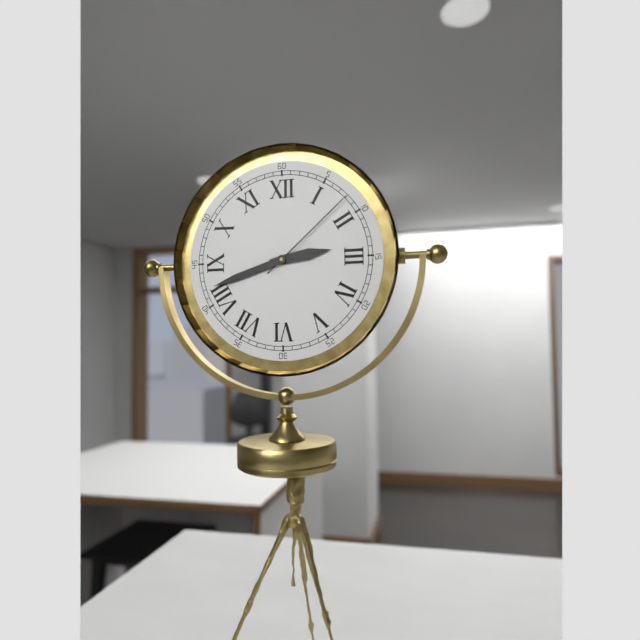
h=2 m=42 s=8
